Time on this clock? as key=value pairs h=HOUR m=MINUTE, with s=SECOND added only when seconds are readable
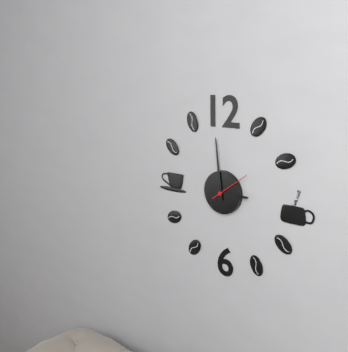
h=2 m=59
